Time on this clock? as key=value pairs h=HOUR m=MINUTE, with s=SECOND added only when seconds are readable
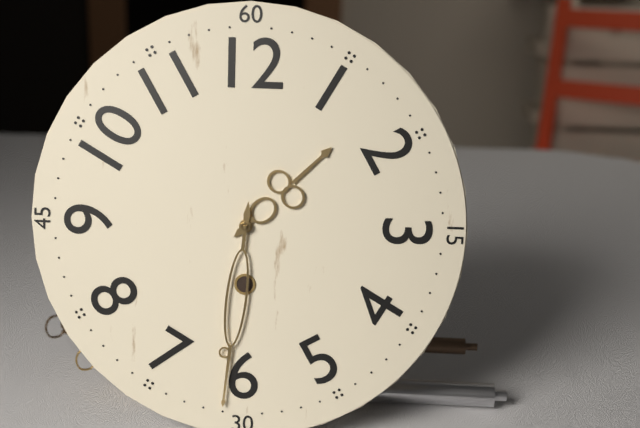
h=1 m=31
